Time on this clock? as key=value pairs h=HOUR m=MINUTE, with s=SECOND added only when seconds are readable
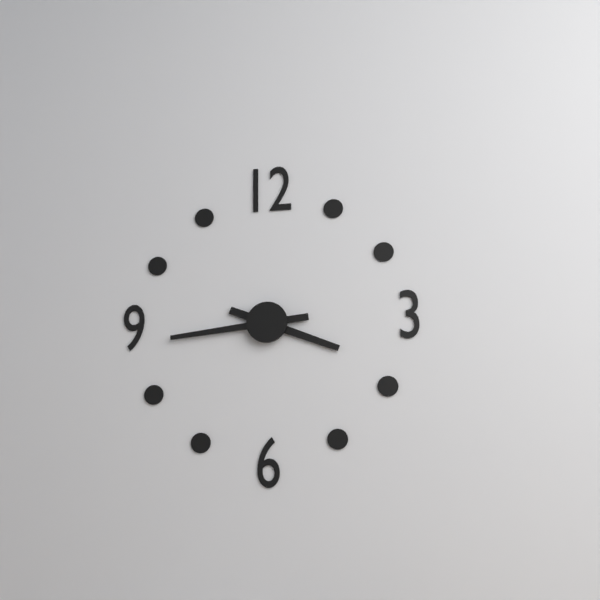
h=3 m=44
